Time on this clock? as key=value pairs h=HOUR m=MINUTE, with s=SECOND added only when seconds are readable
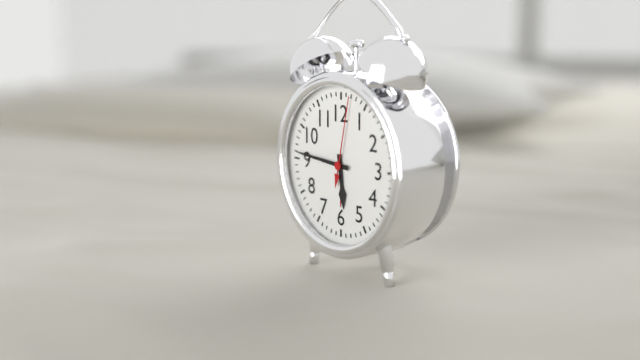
h=5 m=46 s=2
